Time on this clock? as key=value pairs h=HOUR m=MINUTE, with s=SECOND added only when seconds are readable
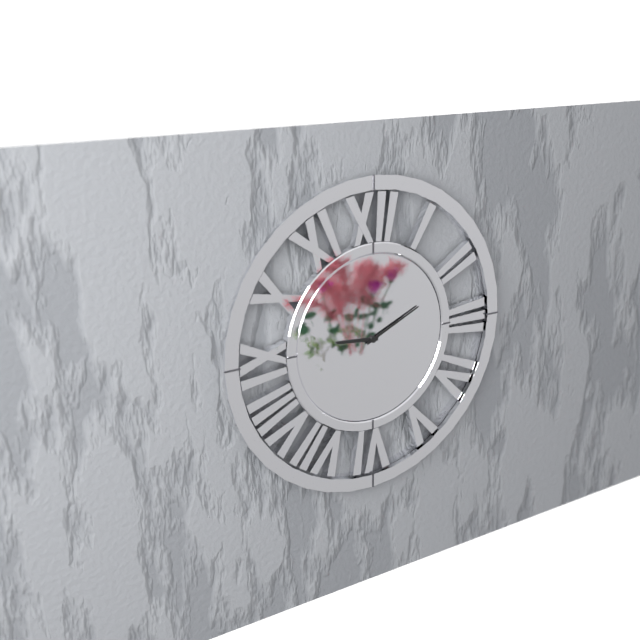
h=9 m=11
